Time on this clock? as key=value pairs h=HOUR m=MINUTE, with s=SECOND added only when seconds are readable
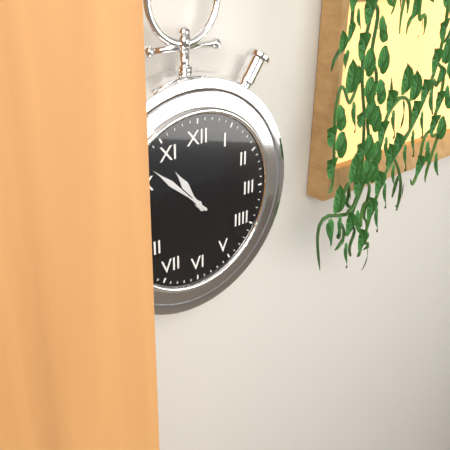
h=10 m=52
